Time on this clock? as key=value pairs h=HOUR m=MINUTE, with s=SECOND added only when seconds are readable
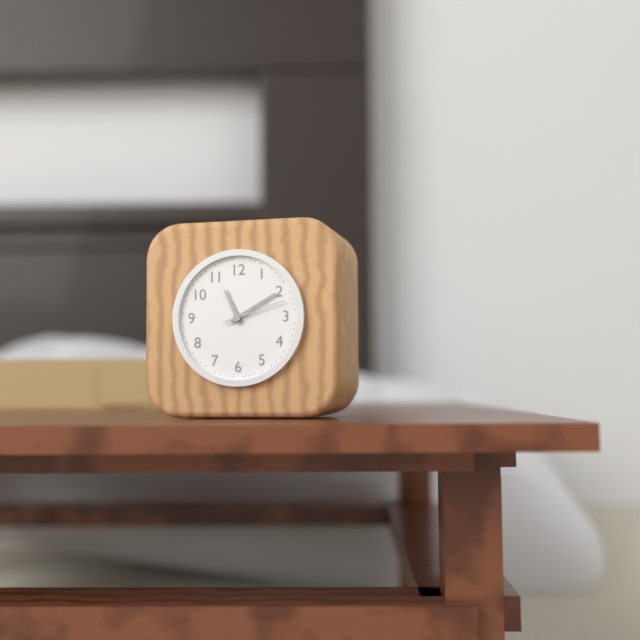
h=11 m=10 s=12
